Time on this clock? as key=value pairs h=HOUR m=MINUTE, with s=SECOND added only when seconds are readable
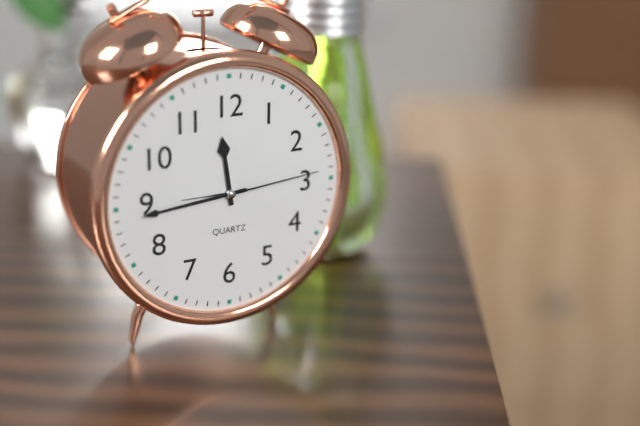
h=11 m=44 s=14
